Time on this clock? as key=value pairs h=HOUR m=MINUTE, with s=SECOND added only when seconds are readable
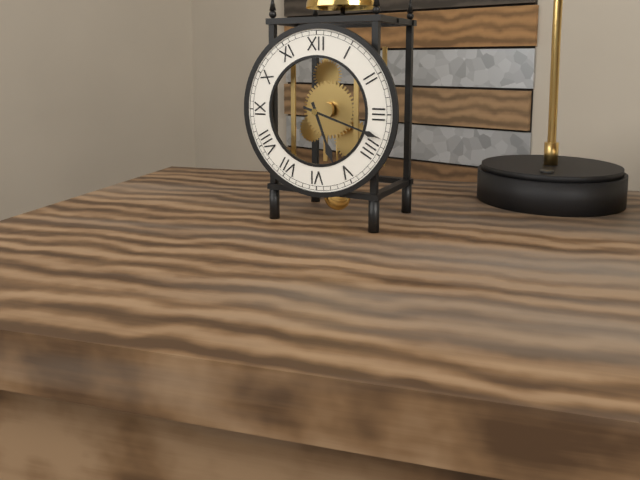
h=5 m=18
